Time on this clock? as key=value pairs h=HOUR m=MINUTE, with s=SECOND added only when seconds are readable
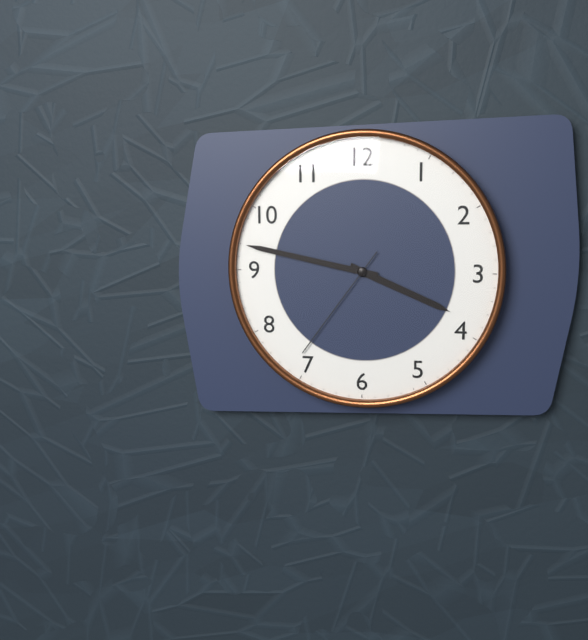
h=3 m=47 s=36
